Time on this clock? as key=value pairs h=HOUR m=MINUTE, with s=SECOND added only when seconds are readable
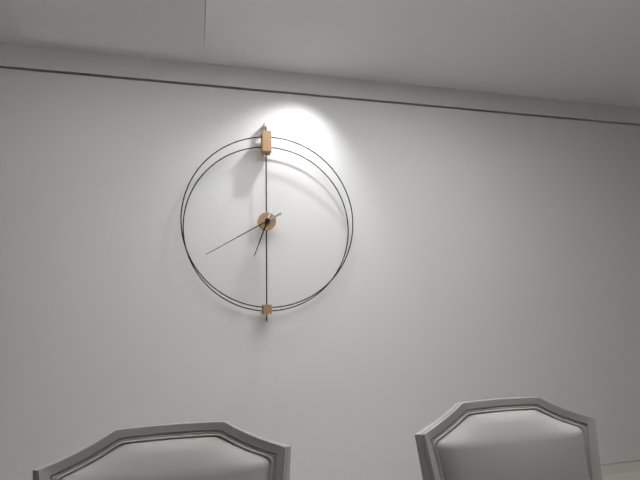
h=6 m=40
